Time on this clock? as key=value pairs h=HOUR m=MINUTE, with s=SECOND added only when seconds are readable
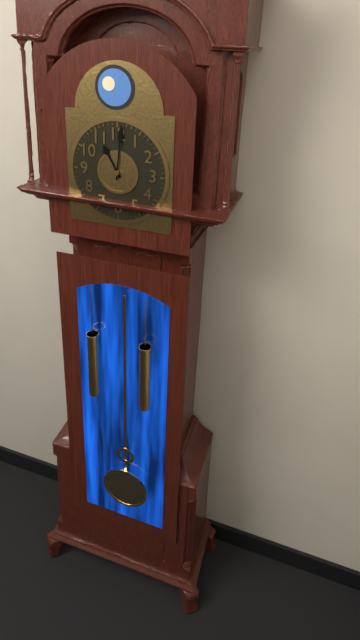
h=11 m=1
